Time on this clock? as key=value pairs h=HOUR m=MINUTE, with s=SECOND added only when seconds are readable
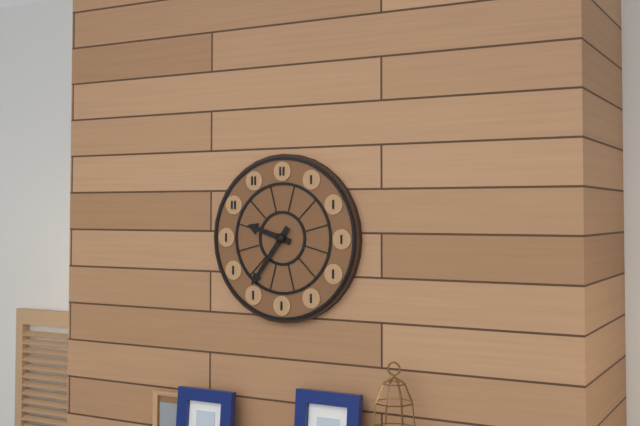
h=9 m=36
